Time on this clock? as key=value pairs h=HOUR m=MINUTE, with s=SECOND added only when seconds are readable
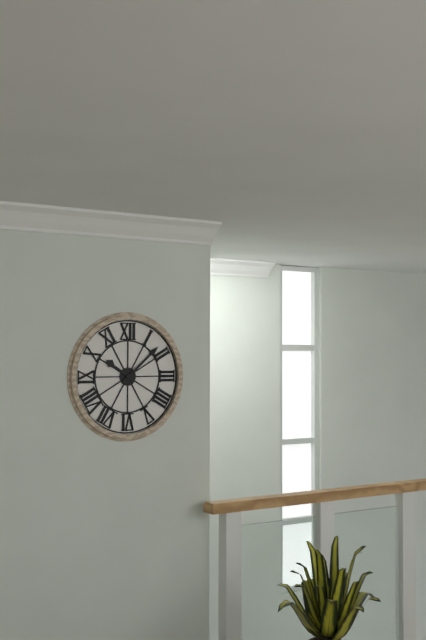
h=10 m=8
